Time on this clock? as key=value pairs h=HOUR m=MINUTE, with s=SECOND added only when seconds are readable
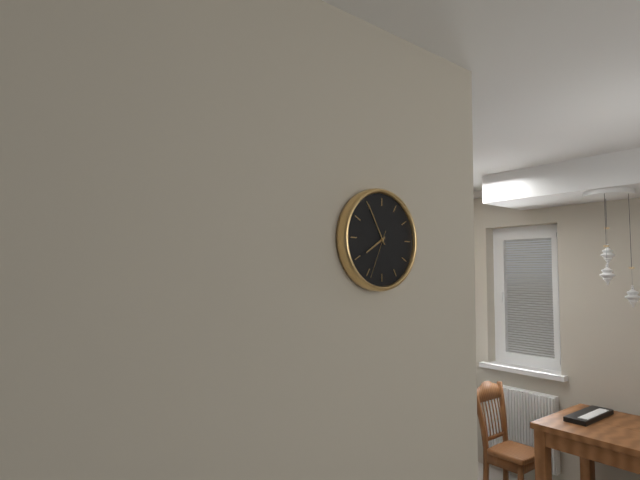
h=7 m=55
